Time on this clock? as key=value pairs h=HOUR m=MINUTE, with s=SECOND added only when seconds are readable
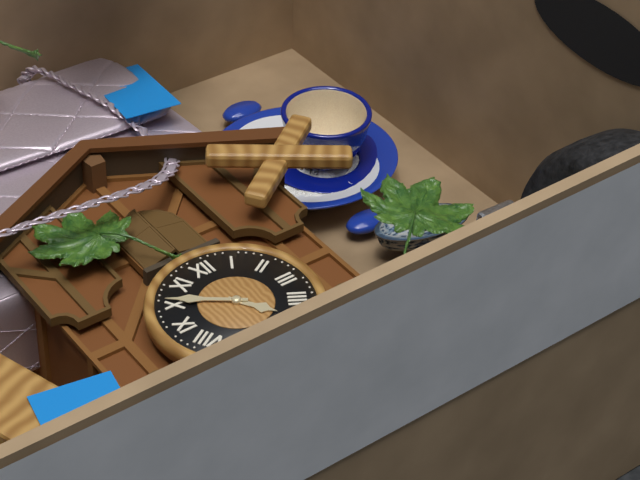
h=4 m=51
